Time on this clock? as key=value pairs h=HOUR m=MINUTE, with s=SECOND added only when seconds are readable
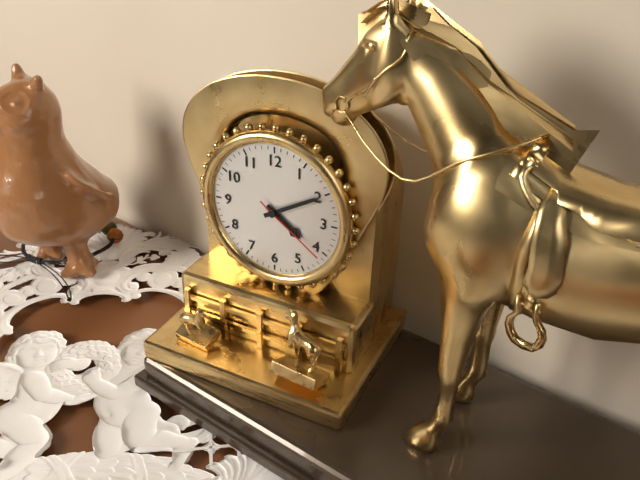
h=4 m=10 s=21
